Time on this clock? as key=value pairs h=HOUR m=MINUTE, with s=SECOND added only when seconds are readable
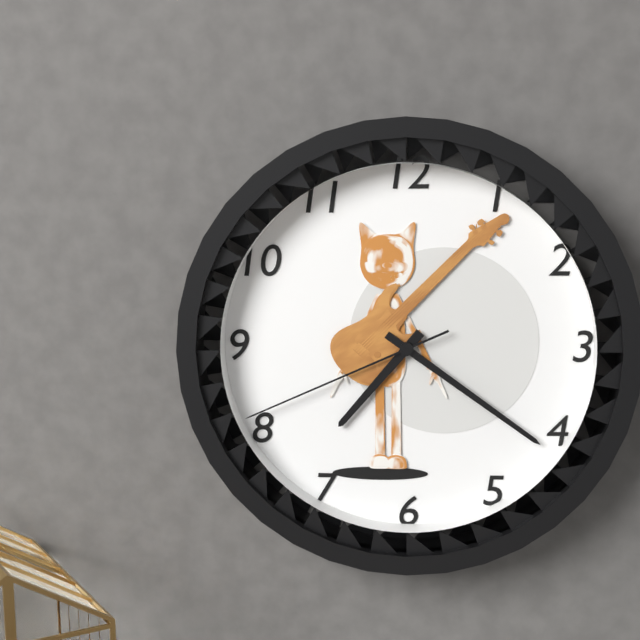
h=7 m=21 s=41
